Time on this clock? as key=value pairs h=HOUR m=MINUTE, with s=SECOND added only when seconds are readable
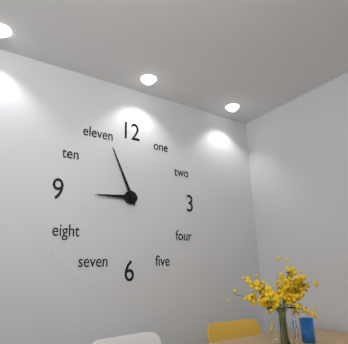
h=8 m=56
